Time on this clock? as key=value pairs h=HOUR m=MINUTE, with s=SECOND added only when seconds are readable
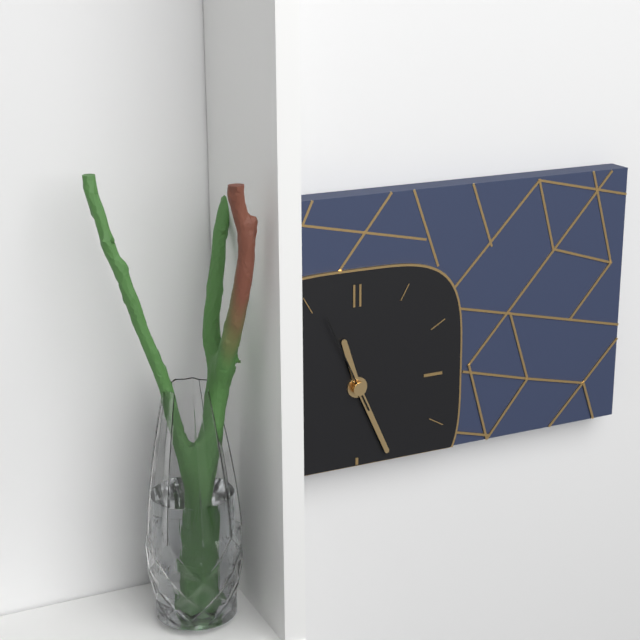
h=11 m=26 s=56
